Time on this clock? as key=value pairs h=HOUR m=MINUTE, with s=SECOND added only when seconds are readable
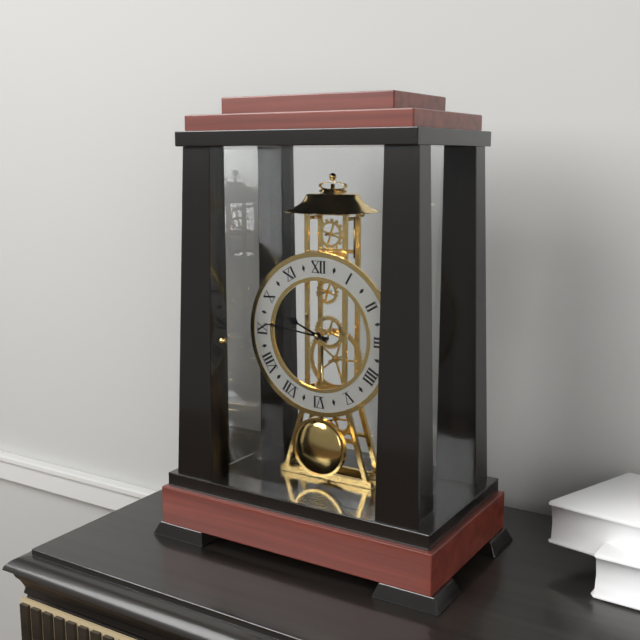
h=9 m=46
